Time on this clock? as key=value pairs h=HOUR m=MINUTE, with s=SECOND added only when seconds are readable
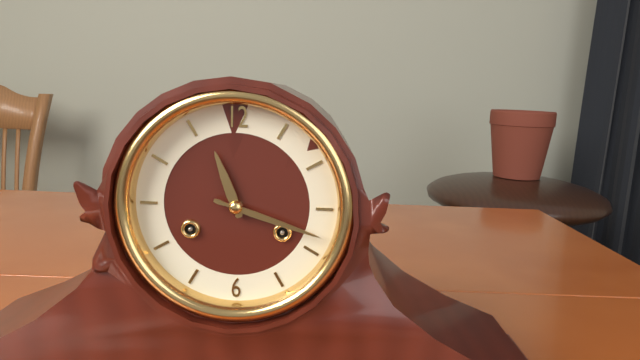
h=11 m=18
